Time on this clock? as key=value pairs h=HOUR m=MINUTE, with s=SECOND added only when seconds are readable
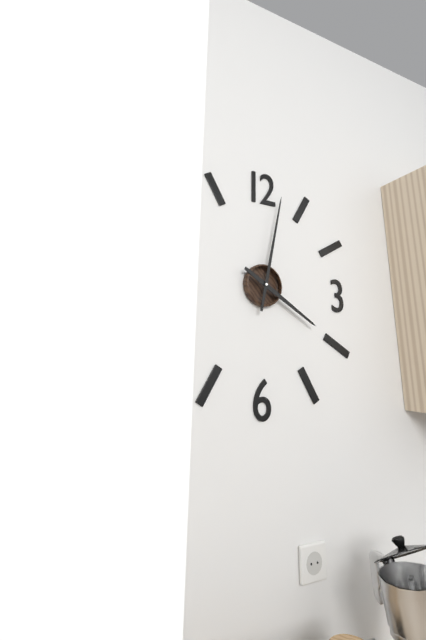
h=4 m=2
